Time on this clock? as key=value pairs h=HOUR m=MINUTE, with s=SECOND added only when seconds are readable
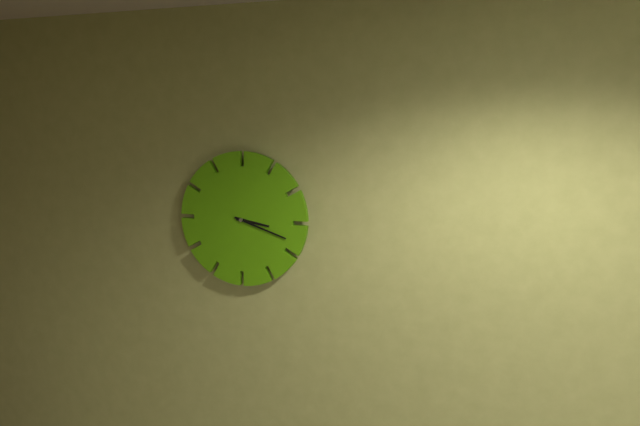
h=3 m=18
